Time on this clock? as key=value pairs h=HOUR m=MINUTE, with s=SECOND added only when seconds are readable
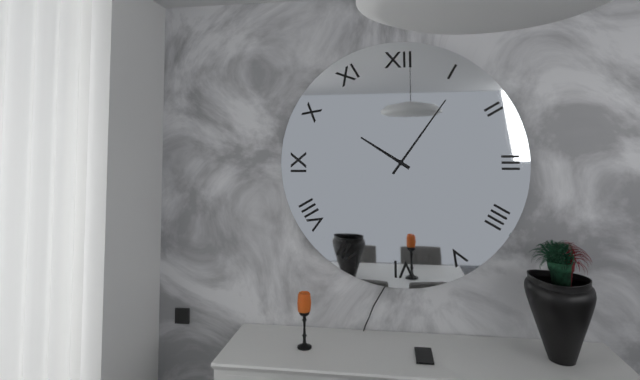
h=10 m=6
